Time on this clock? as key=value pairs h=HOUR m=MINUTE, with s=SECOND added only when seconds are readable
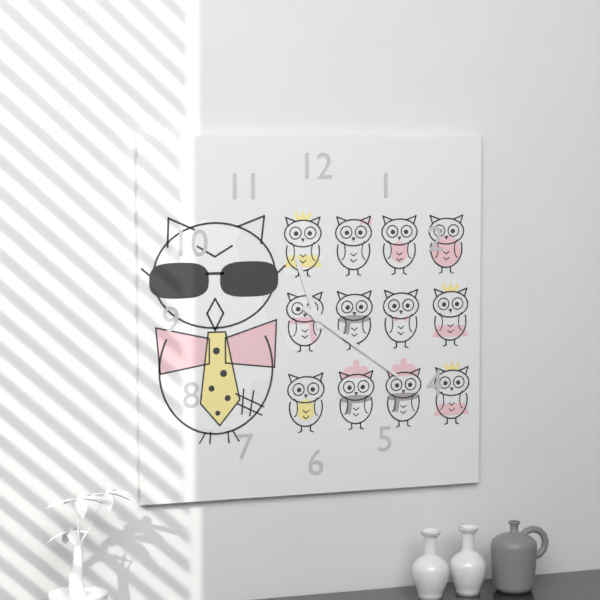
h=11 m=21
